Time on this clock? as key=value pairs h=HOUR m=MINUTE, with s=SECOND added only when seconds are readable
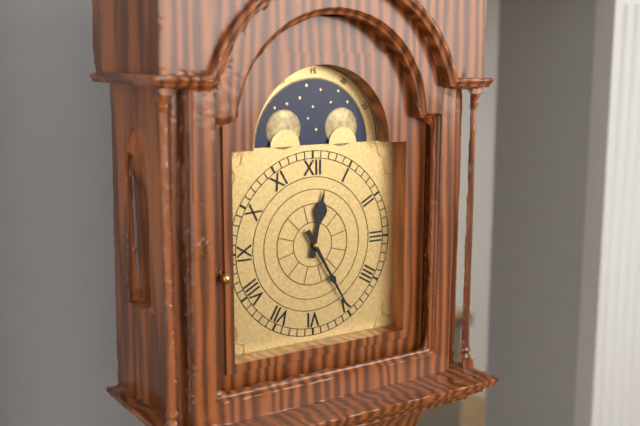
h=12 m=25
